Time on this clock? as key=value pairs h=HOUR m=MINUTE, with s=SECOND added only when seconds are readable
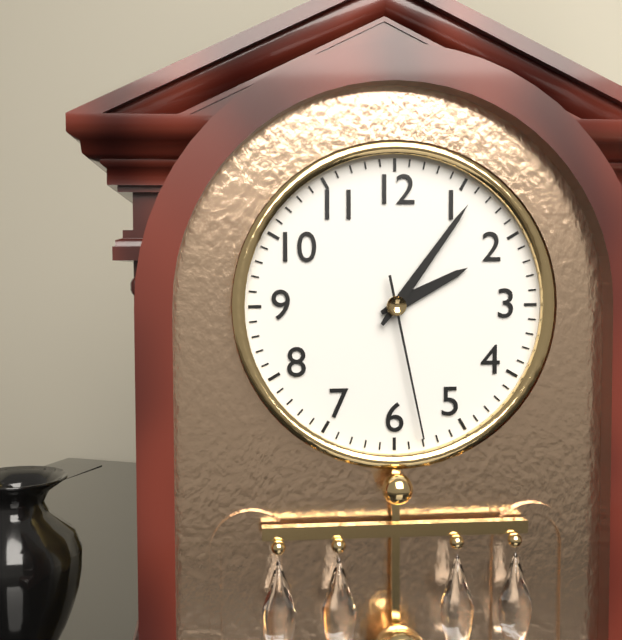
h=2 m=6 s=28
